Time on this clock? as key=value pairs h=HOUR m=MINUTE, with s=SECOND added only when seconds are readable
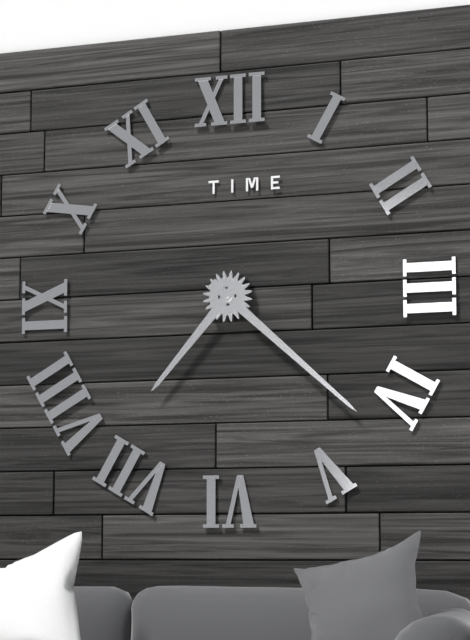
h=7 m=22
